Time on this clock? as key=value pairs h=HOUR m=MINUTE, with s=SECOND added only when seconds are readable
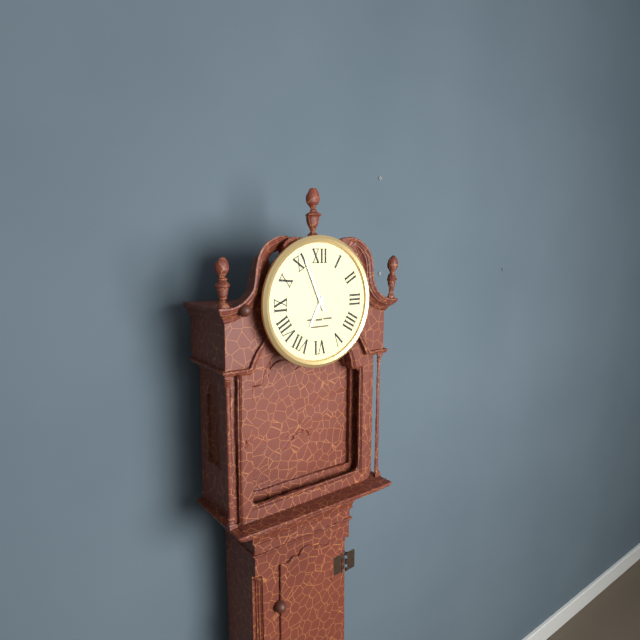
h=6 m=56
